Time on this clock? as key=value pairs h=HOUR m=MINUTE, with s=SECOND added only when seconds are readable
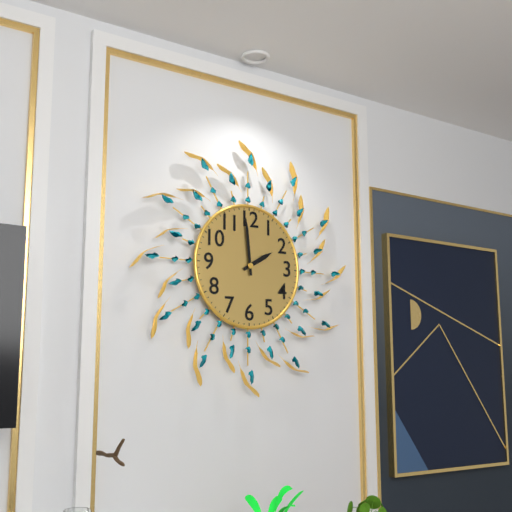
h=1 m=59
